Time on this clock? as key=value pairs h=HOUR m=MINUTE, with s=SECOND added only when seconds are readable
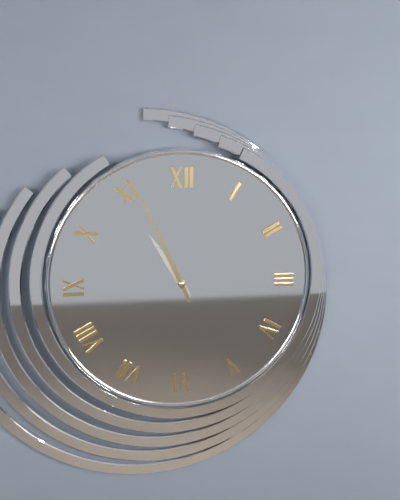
h=10 m=56
